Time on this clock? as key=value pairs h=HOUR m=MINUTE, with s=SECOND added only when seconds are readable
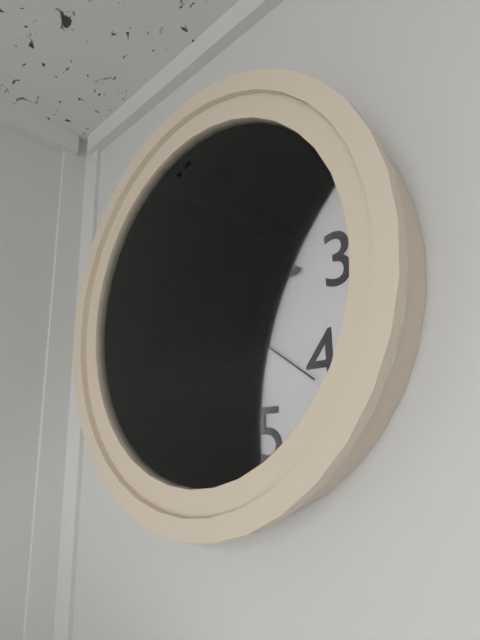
h=3 m=0 s=21
